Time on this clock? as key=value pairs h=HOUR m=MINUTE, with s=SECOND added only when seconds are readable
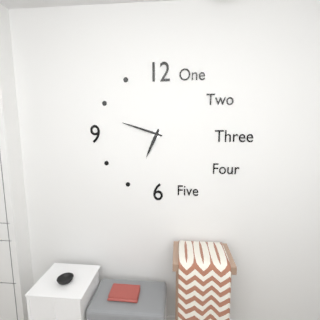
h=6 m=48
